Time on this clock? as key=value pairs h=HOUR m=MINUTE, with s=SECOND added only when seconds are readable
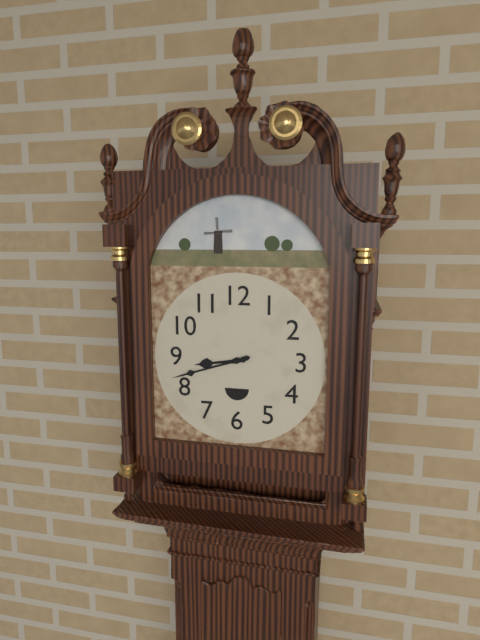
h=8 m=42
